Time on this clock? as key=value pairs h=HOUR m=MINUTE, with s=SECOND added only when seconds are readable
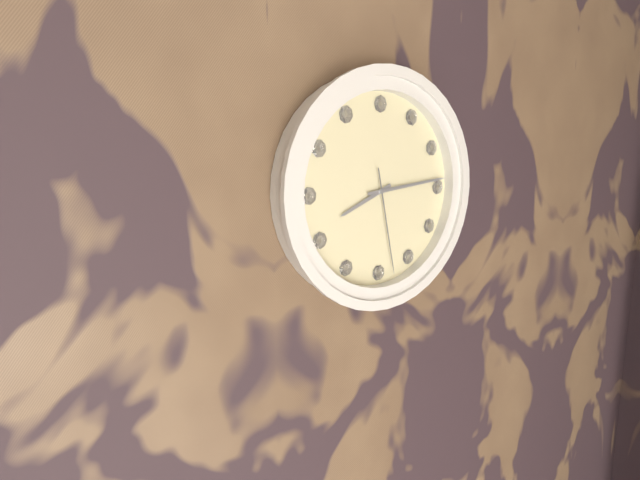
h=8 m=14 s=28
